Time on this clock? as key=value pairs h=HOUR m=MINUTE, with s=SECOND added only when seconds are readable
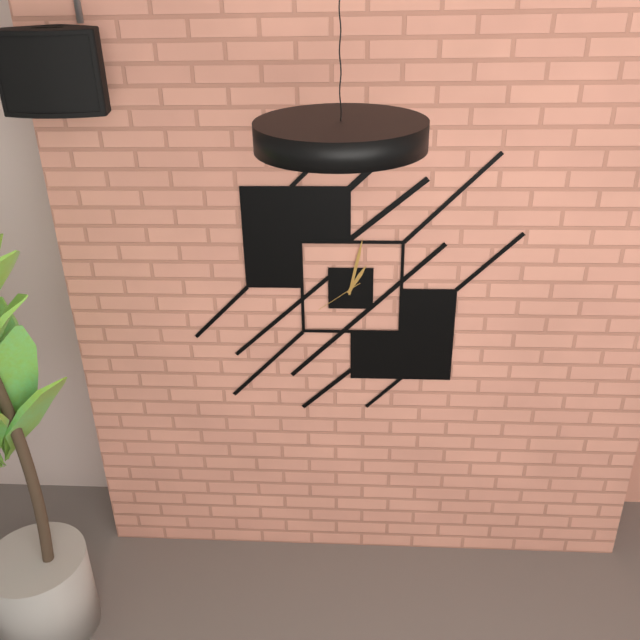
h=1 m=2
